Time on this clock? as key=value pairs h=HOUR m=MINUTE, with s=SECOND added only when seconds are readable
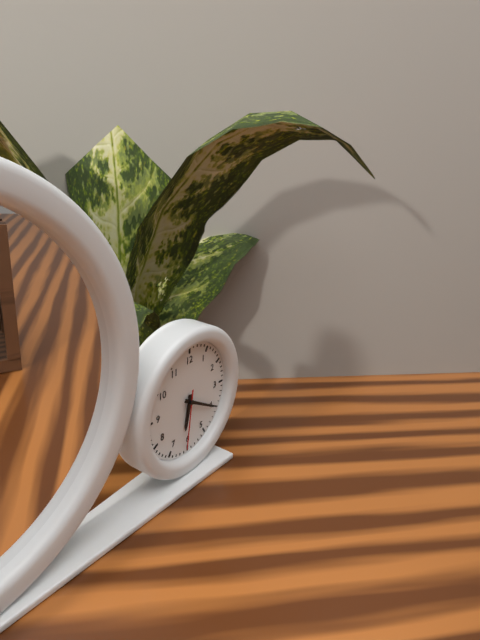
h=6 m=20 s=31
